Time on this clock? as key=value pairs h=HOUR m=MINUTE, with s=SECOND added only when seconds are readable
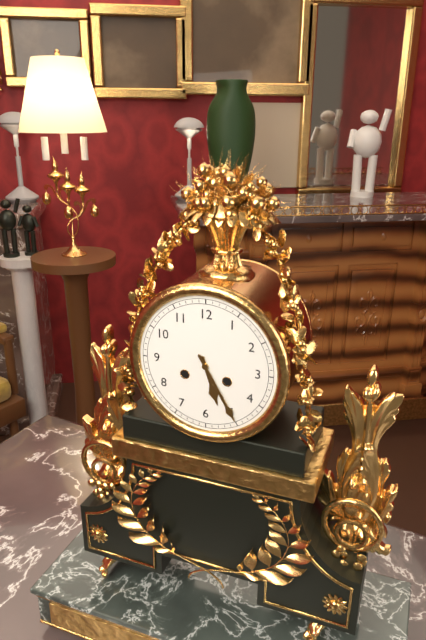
h=5 m=25
